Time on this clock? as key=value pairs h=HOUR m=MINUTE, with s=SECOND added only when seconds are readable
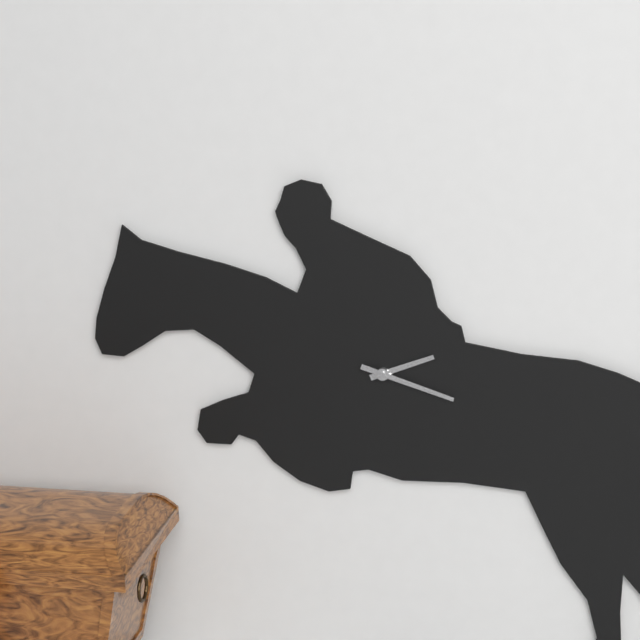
h=2 m=18
